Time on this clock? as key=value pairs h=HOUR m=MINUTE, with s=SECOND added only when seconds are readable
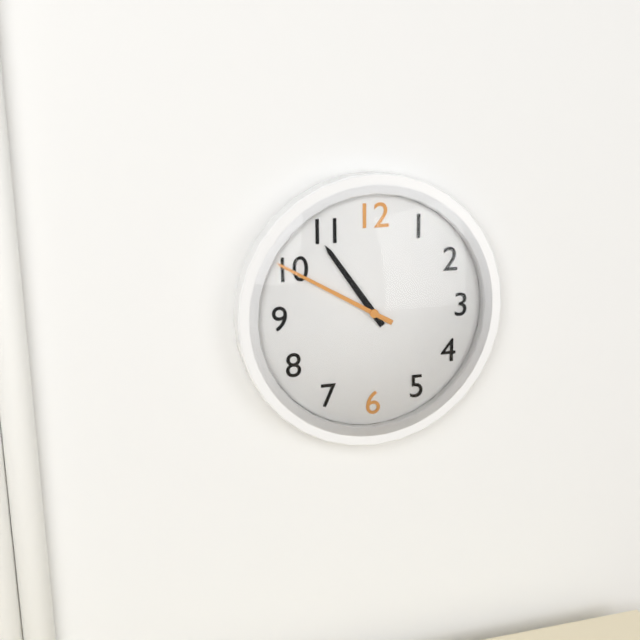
h=10 m=50
